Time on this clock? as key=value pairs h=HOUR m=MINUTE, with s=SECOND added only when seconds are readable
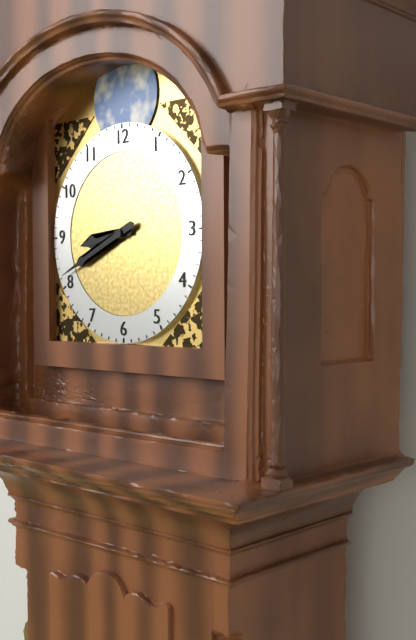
h=8 m=41
